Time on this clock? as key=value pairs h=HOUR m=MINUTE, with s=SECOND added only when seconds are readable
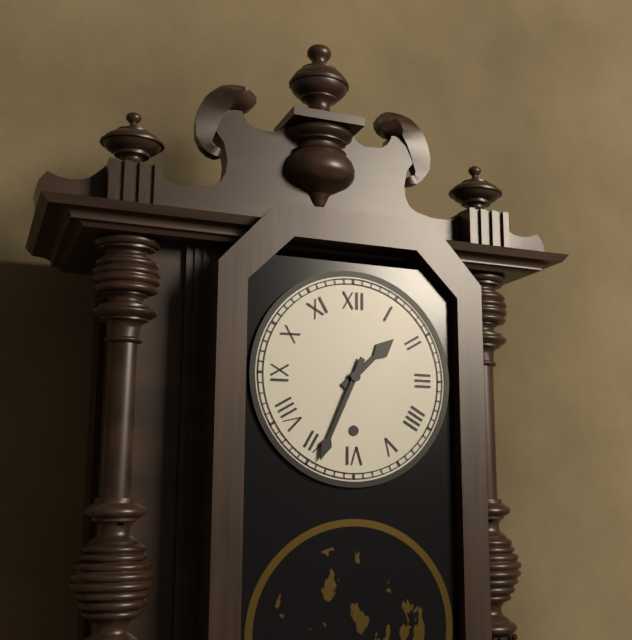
h=1 m=34
